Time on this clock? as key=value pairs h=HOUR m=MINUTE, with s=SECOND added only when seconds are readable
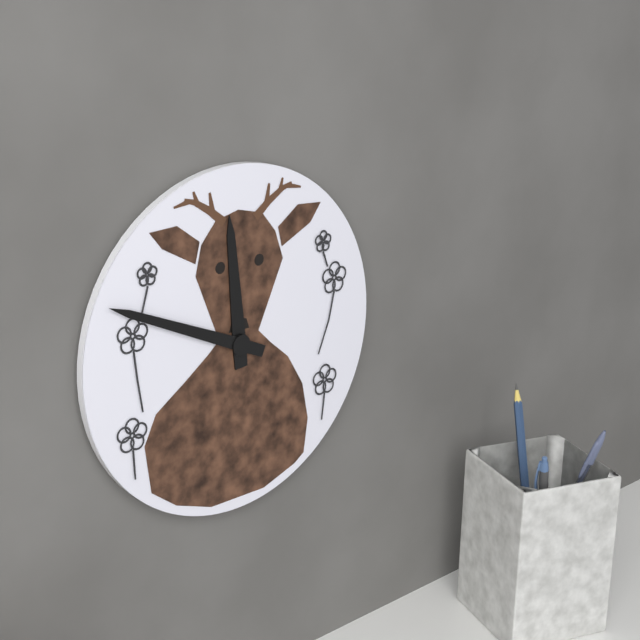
h=11 m=49
